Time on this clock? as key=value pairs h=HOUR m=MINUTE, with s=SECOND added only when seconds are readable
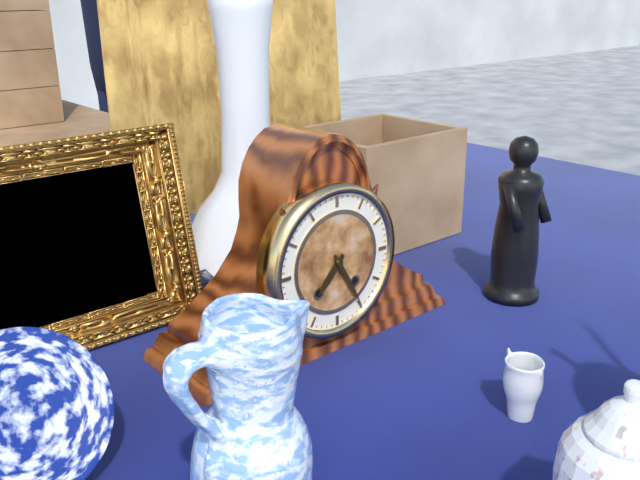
h=7 m=25
